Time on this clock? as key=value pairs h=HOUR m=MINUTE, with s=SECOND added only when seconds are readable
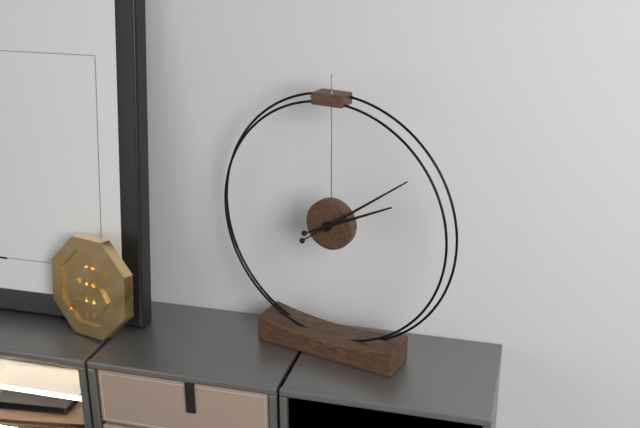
h=2 m=9
